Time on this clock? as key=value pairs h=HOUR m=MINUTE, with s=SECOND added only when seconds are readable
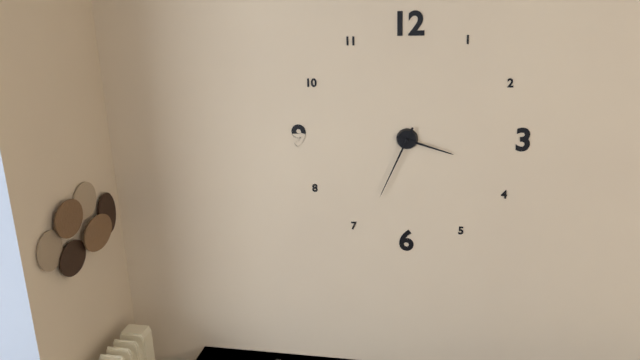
h=3 m=34
